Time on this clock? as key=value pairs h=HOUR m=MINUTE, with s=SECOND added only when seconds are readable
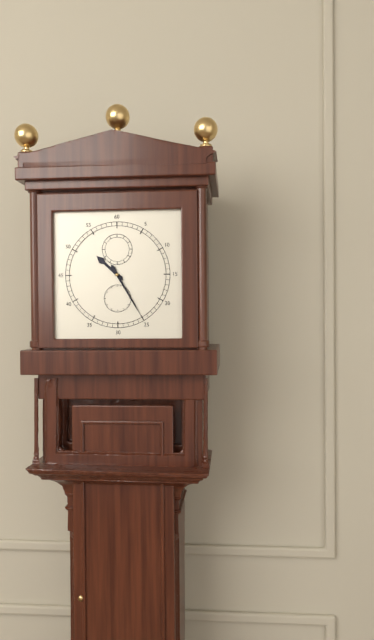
h=10 m=25
